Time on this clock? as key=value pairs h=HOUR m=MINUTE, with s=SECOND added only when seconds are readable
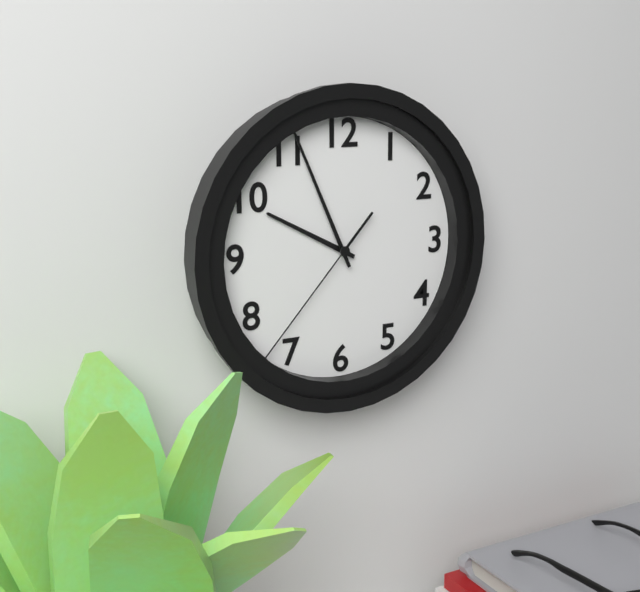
h=9 m=56 s=37
